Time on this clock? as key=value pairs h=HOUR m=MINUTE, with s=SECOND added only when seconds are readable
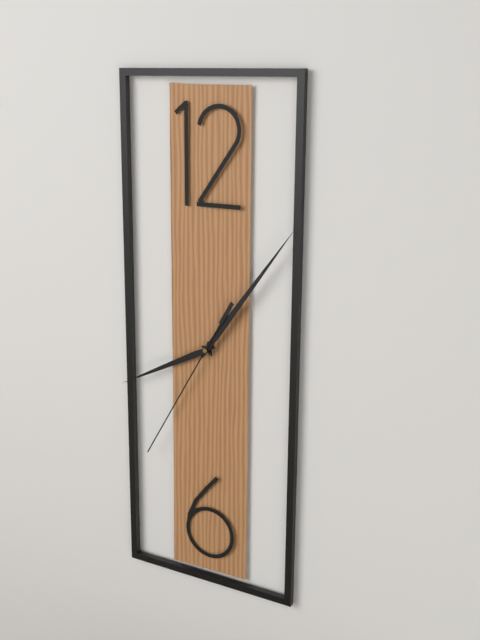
h=8 m=6 s=35
